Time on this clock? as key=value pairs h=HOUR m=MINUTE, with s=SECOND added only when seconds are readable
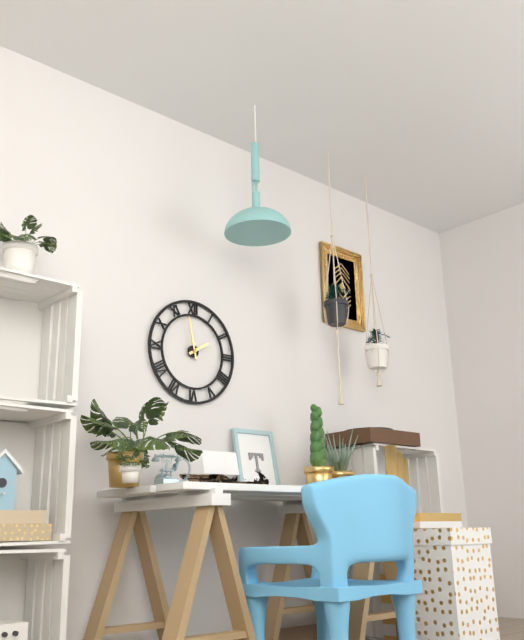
h=1 m=58
